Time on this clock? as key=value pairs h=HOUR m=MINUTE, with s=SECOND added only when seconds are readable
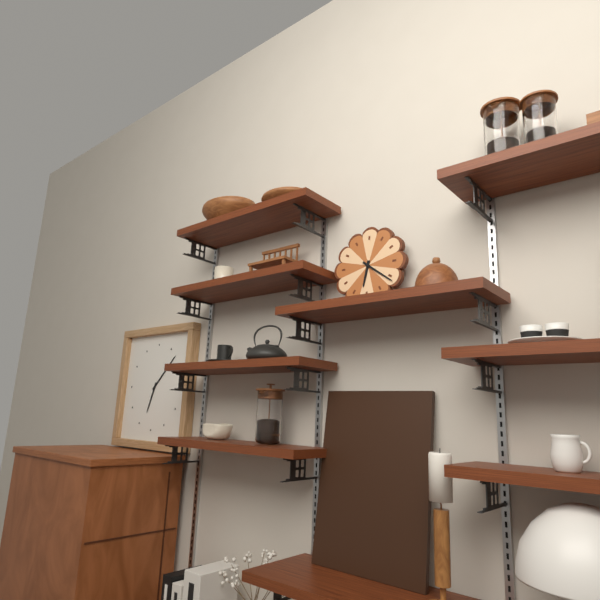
h=6 m=21
